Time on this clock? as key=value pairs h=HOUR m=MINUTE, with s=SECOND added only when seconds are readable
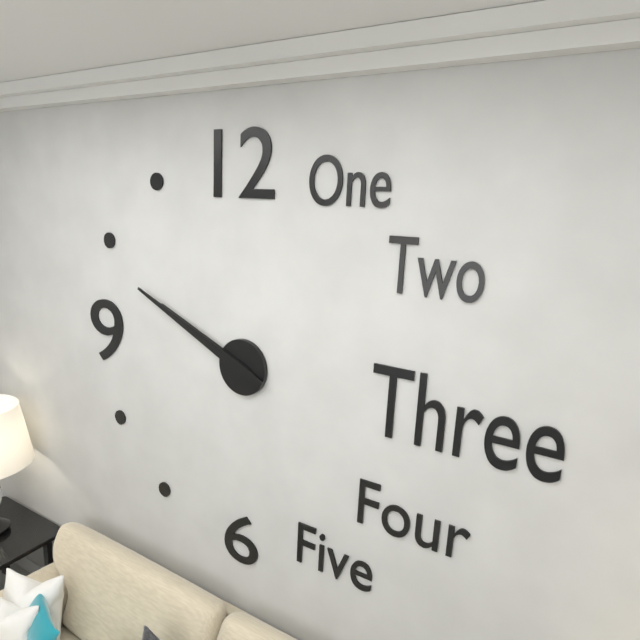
h=9 m=49
